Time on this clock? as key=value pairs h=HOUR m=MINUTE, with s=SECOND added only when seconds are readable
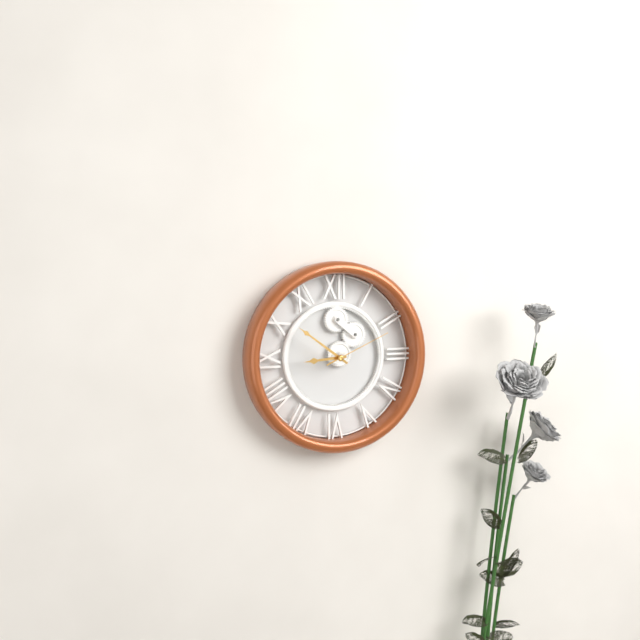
h=8 m=51 s=11
